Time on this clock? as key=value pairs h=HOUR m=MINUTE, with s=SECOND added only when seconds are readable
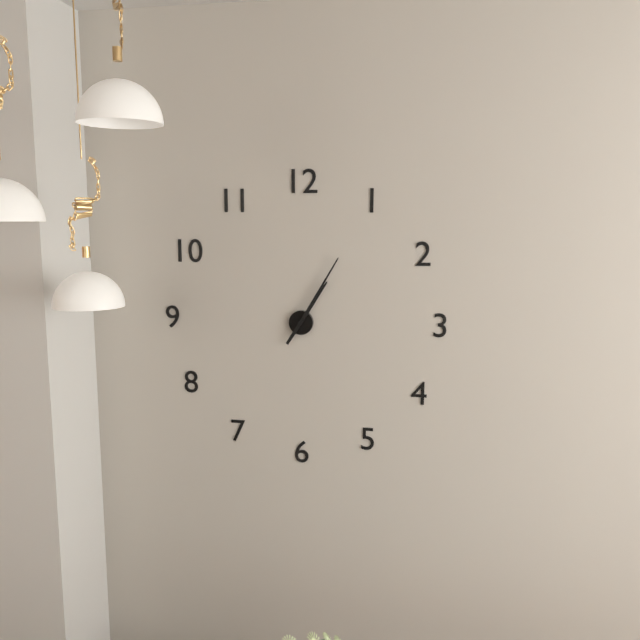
h=1 m=5
